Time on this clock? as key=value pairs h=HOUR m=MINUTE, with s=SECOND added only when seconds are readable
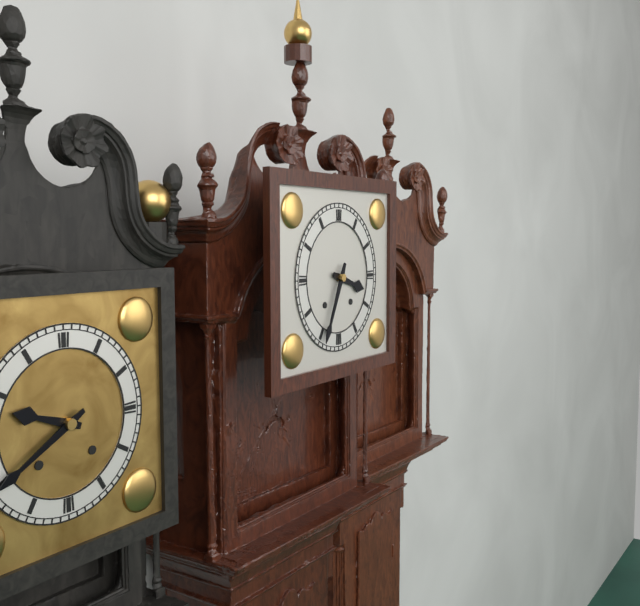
h=3 m=34
